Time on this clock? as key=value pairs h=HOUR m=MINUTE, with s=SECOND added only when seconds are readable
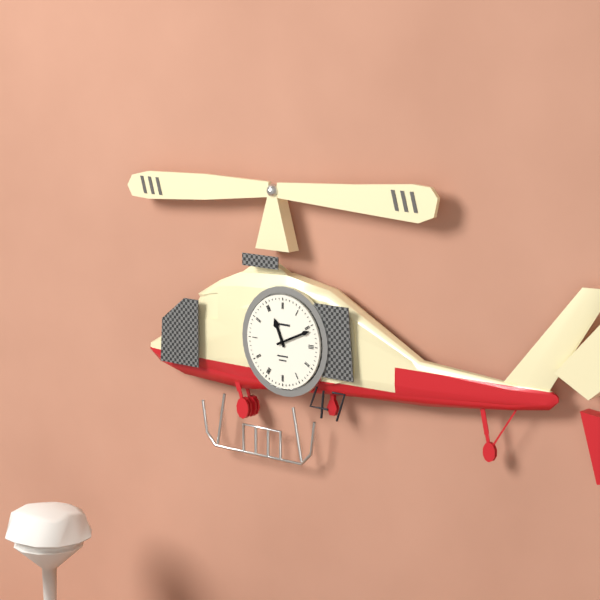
h=11 m=11
